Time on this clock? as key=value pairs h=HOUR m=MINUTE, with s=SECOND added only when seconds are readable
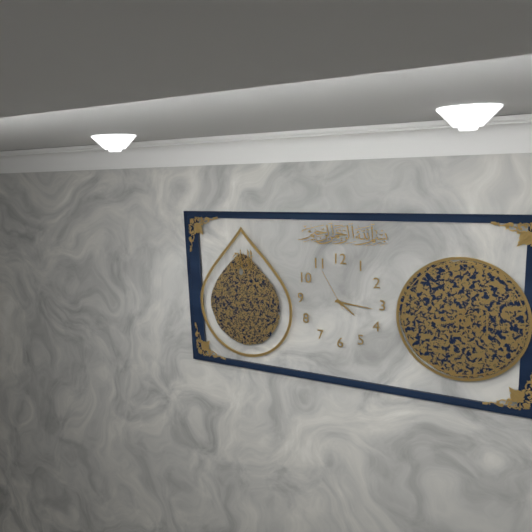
h=4 m=16
